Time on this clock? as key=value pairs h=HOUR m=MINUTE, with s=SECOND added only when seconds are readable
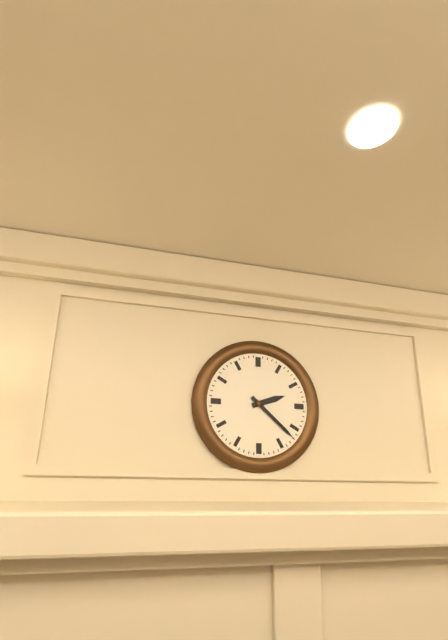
h=2 m=22
